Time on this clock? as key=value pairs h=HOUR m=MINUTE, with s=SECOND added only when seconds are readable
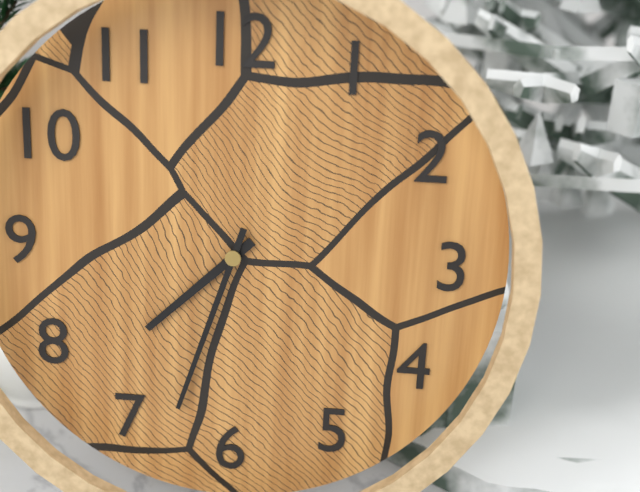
h=7 m=33
